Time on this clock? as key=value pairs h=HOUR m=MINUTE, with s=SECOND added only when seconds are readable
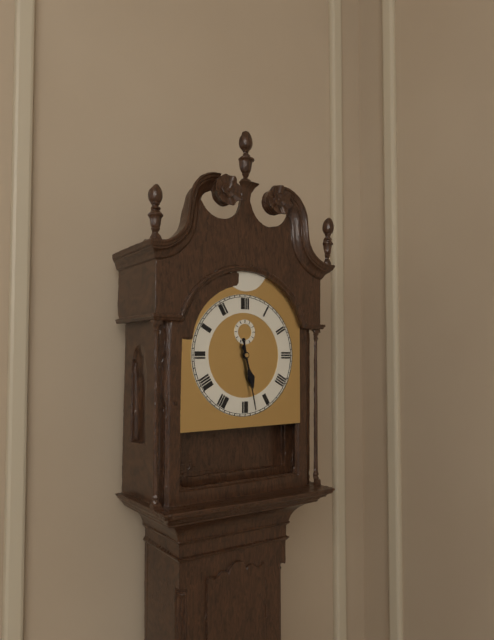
h=5 m=28
